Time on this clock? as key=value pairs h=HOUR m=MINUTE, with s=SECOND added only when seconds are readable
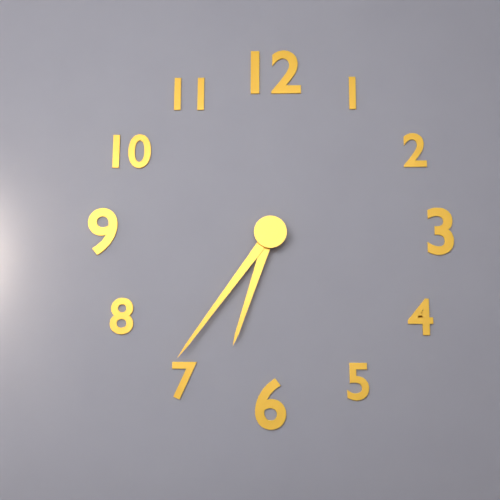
h=6 m=36
